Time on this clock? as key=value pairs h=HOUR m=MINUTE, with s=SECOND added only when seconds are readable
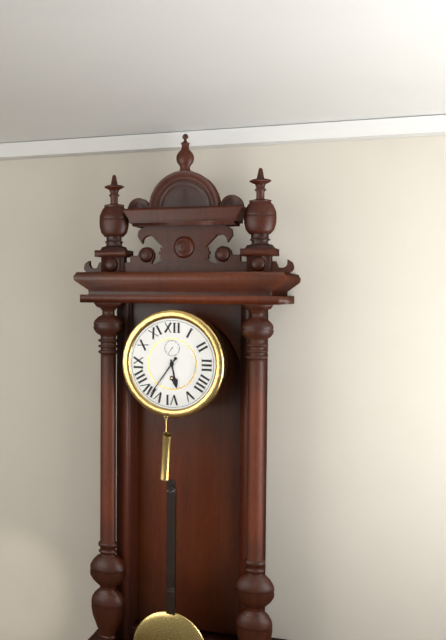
h=5 m=36
